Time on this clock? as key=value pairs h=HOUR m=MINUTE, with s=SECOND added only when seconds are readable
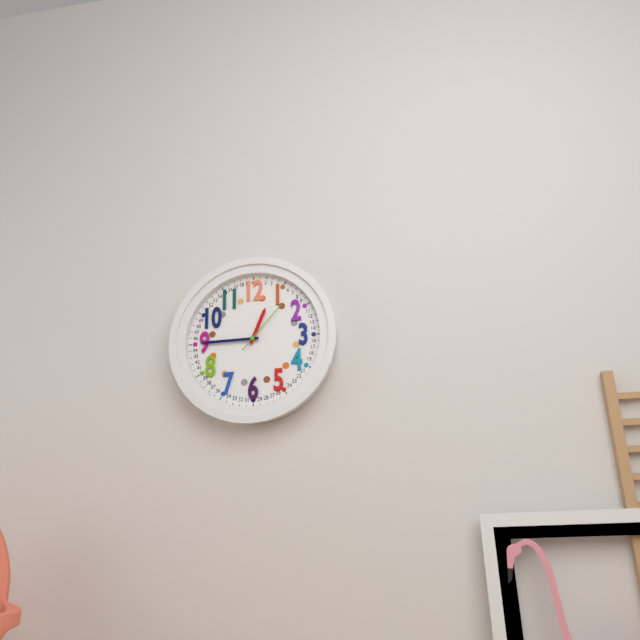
h=12 m=45 s=7
